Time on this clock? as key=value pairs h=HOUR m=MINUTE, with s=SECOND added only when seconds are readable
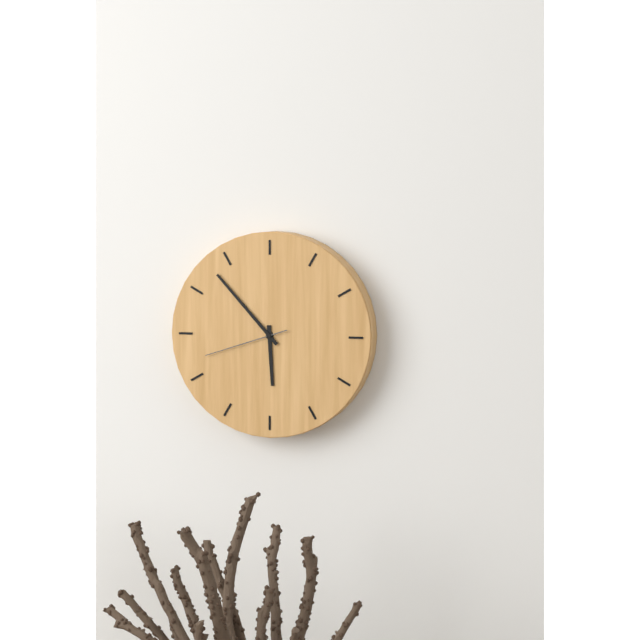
h=5 m=53 s=42
